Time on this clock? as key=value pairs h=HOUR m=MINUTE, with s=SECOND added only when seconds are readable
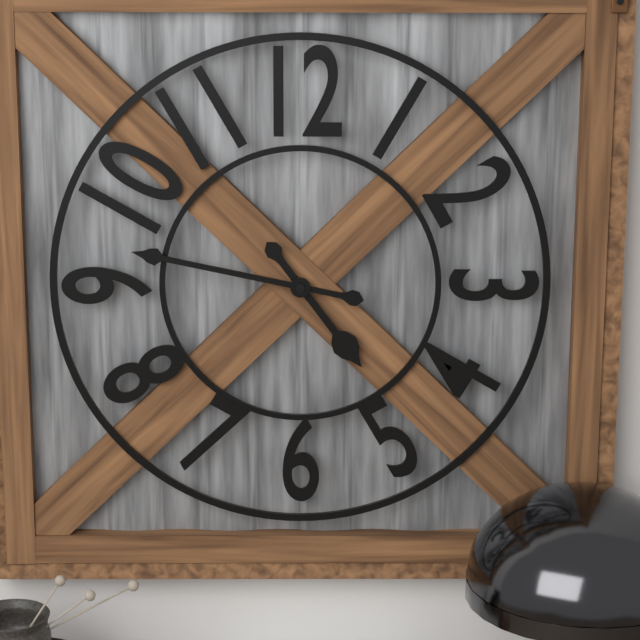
h=4 m=47
